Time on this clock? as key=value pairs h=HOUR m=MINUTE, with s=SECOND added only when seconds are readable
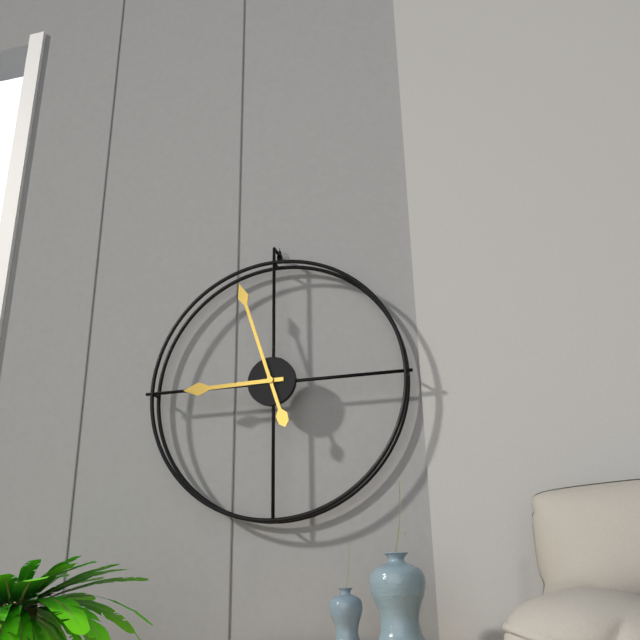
h=8 m=57
